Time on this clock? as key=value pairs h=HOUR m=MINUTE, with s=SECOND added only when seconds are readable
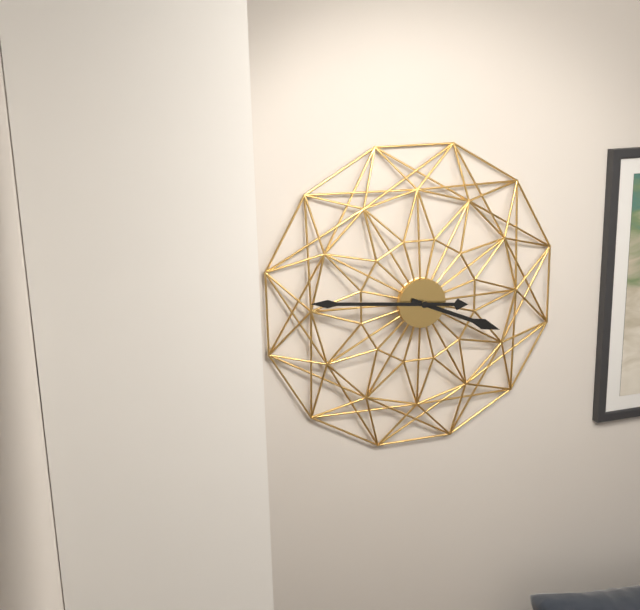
h=3 m=46
